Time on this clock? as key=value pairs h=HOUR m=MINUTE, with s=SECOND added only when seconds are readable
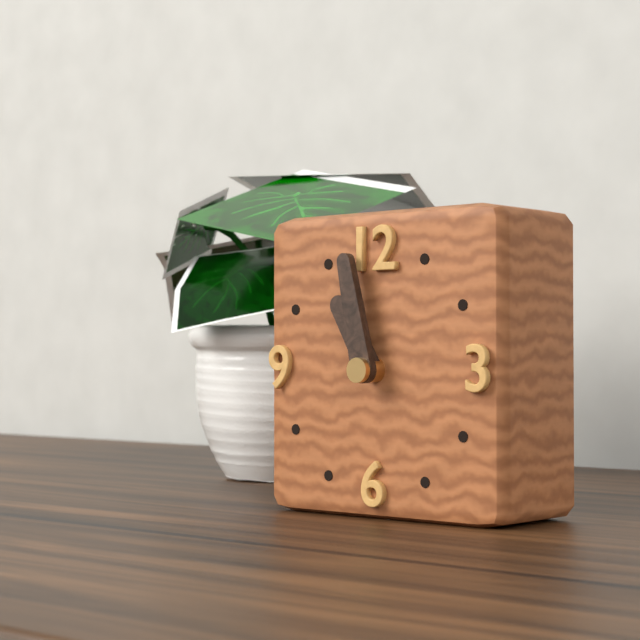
h=10 m=58
